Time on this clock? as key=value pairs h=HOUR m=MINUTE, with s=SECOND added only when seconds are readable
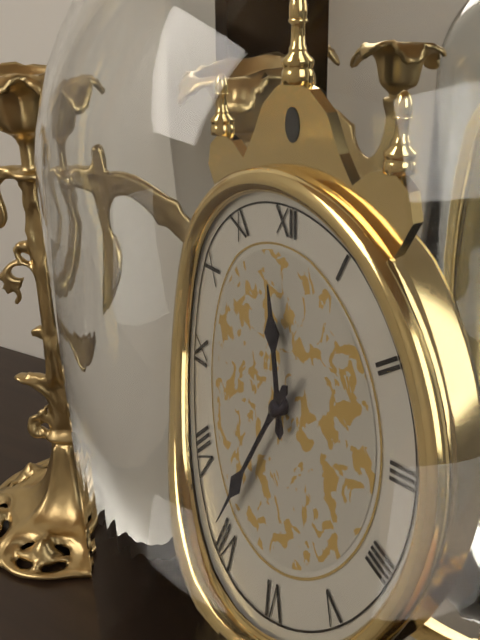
h=11 m=36
